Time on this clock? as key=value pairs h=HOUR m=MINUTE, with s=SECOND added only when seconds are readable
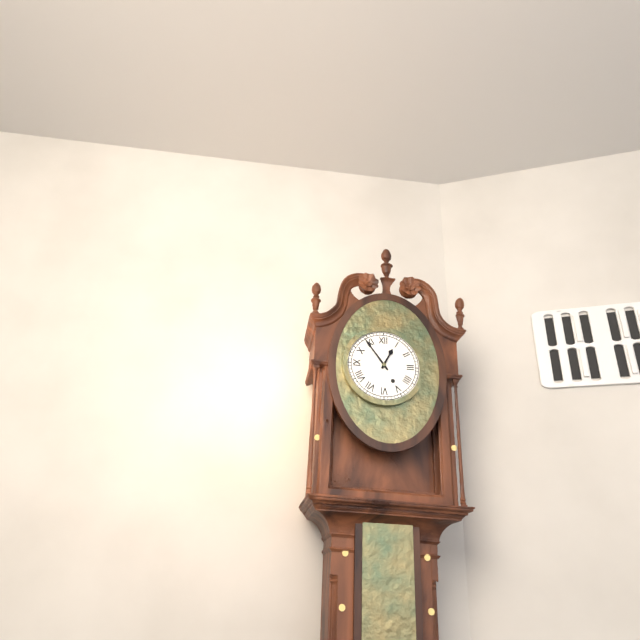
h=12 m=54
